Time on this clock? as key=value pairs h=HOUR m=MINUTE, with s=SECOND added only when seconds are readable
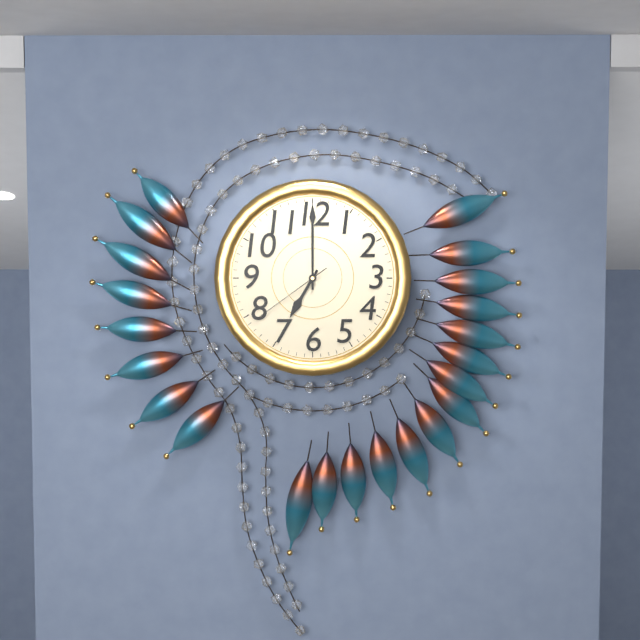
h=7 m=0 s=39
